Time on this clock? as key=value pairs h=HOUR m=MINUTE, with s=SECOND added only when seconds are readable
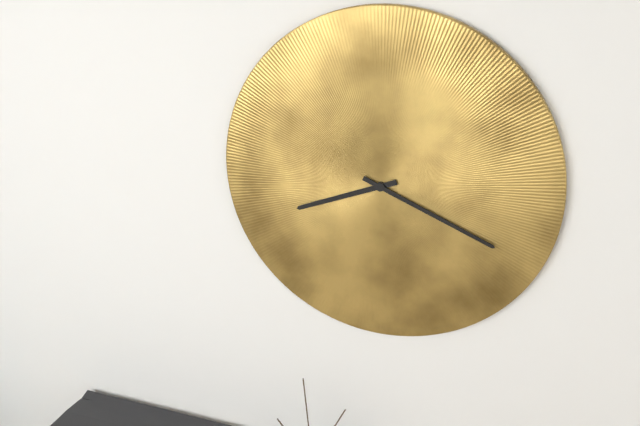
h=8 m=19
